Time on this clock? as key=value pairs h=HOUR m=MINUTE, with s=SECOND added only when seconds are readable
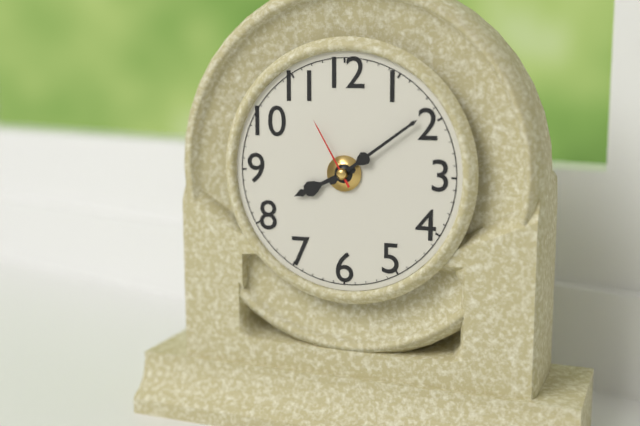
h=8 m=9 s=55
